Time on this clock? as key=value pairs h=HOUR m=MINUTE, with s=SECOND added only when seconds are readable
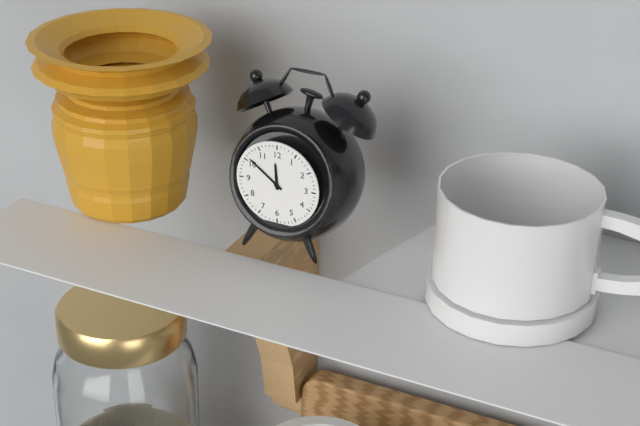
h=11 m=51
